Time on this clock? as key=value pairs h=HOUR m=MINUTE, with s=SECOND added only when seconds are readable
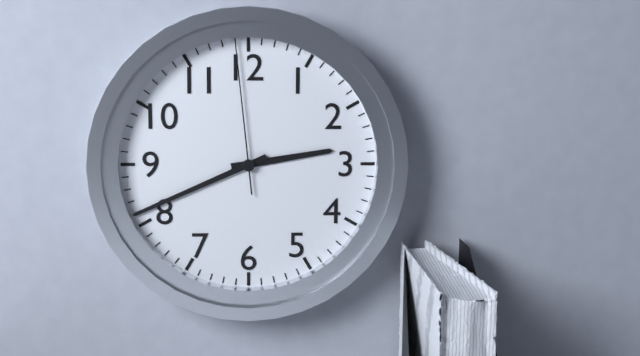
h=2 m=41 s=59
